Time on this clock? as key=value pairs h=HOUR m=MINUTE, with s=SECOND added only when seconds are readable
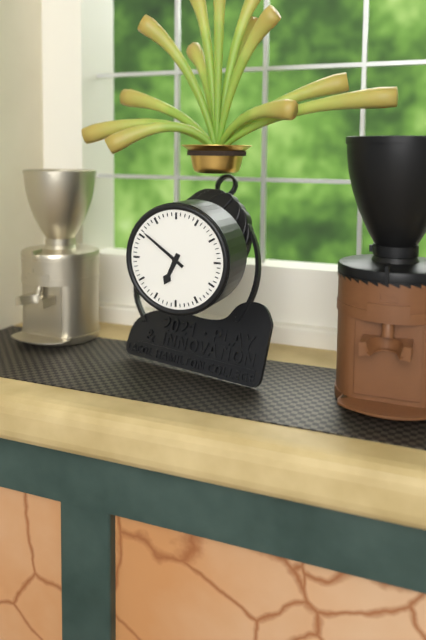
h=6 m=51
